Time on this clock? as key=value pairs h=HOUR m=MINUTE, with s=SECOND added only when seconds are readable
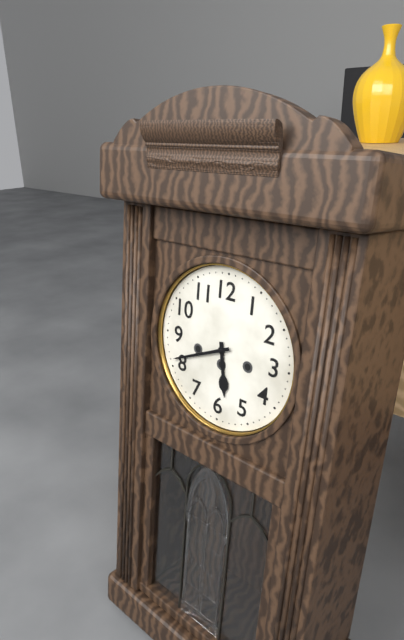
h=5 m=41
